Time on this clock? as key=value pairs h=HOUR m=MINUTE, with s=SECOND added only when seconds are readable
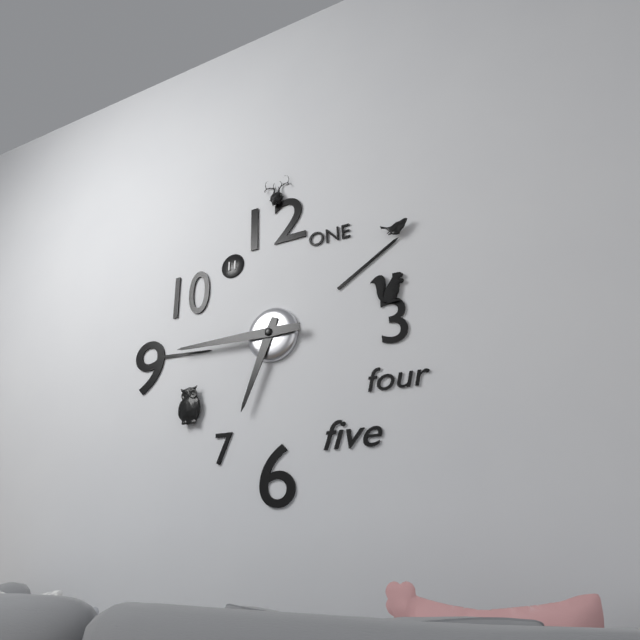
h=6 m=45
